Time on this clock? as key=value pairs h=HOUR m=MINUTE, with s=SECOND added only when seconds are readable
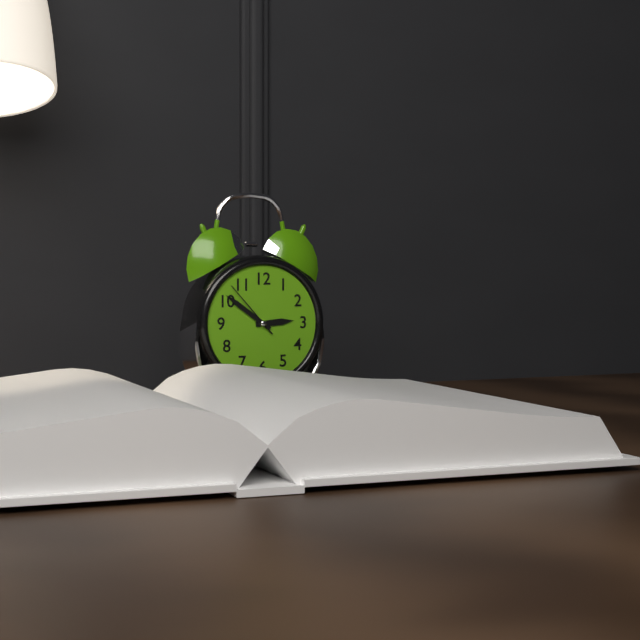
h=2 m=51 s=53
